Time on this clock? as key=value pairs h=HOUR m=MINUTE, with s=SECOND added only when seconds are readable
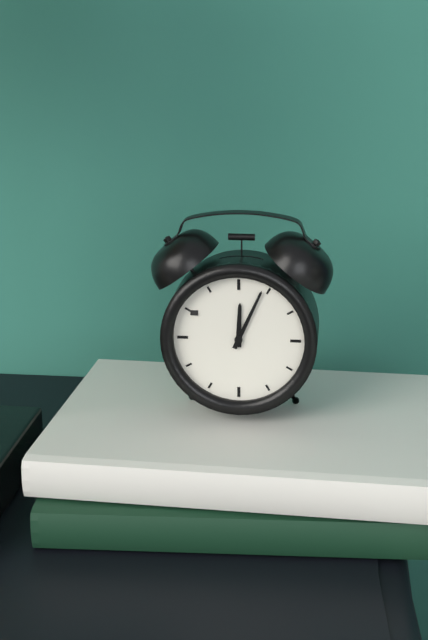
h=12 m=4
